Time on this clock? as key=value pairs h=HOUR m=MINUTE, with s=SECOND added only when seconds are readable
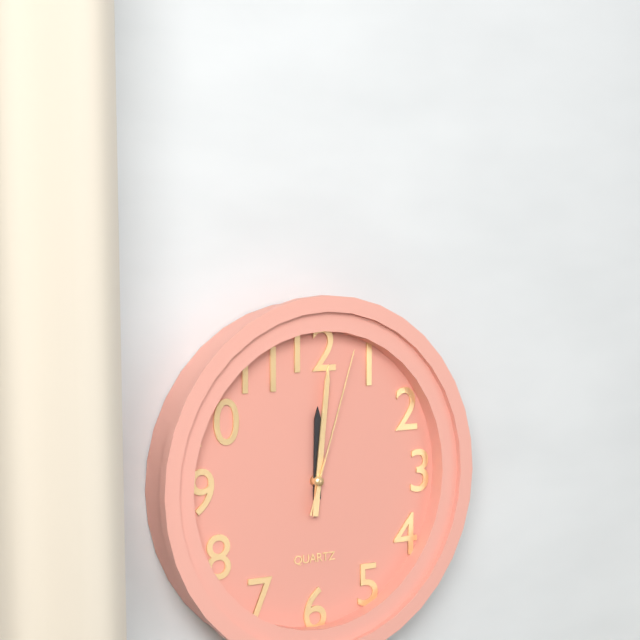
h=12 m=1 s=3
